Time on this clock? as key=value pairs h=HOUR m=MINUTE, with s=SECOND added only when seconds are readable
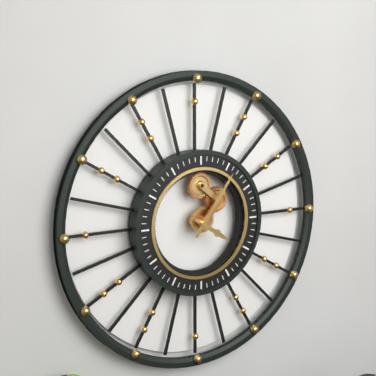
h=4 m=6
